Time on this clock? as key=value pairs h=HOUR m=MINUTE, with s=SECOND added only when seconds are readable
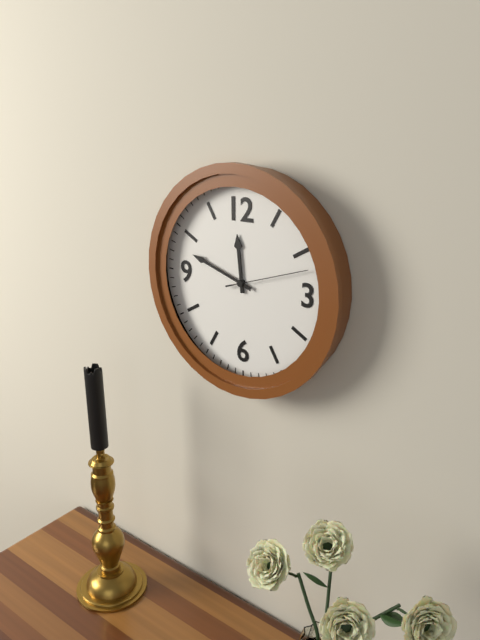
h=11 m=48 s=12
